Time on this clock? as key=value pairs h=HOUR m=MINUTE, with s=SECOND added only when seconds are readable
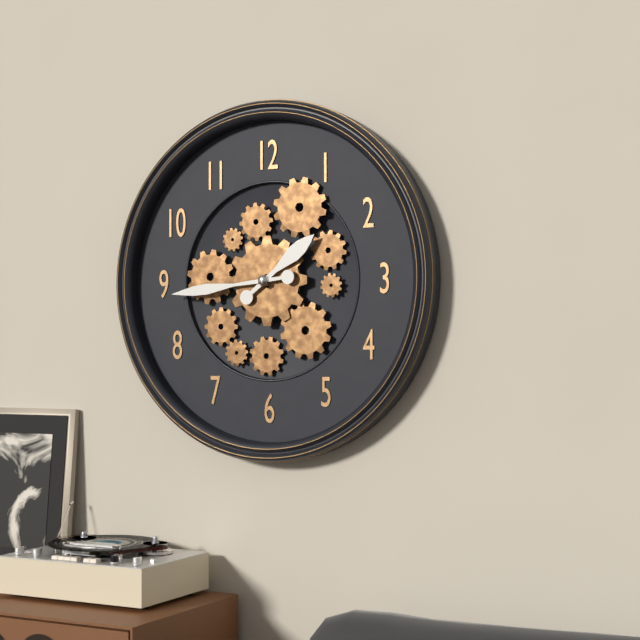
h=1 m=44
